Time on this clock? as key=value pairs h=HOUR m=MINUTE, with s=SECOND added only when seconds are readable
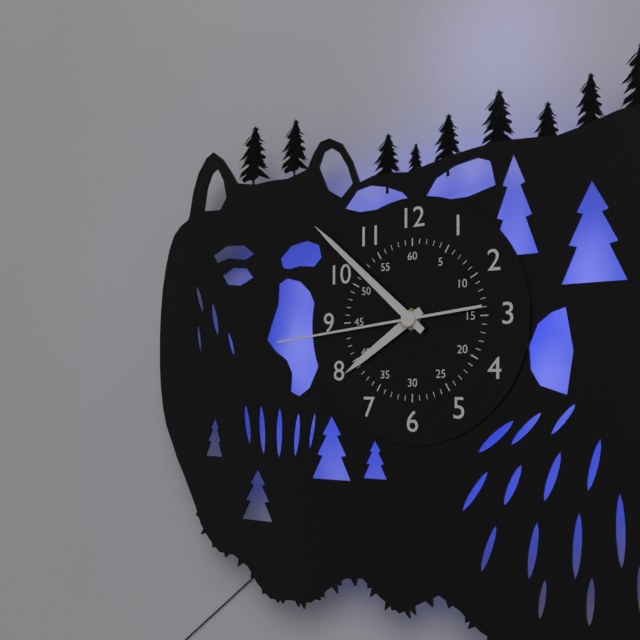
h=7 m=52 s=44
